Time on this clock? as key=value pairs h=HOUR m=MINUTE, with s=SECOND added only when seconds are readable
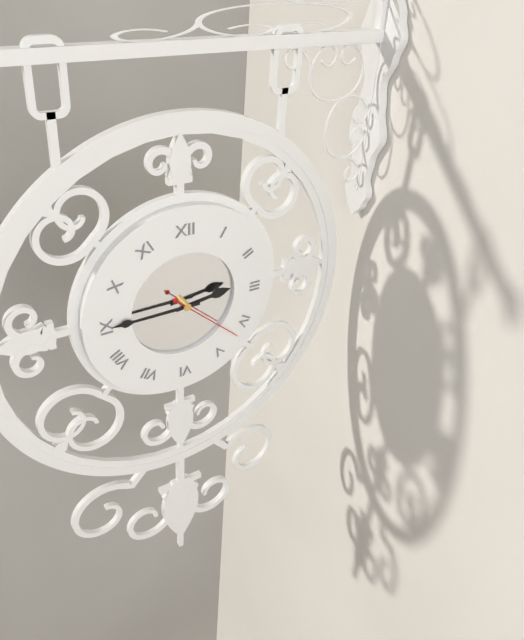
h=2 m=45 s=22
